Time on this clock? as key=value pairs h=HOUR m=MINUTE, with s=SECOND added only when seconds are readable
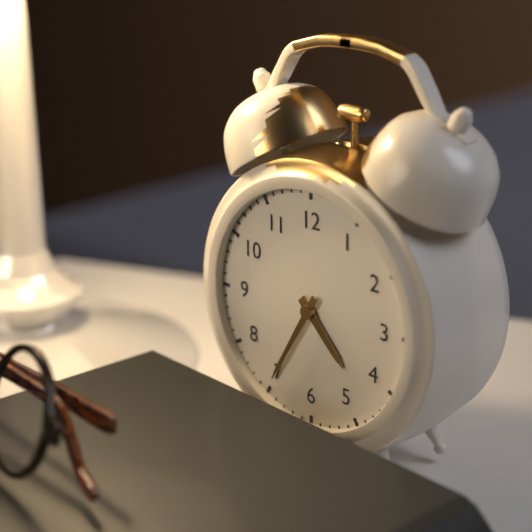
h=4 m=35
